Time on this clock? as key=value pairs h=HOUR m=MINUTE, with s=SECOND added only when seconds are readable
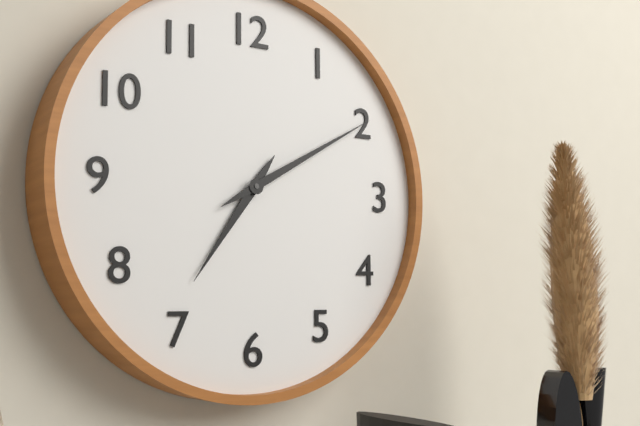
h=7 m=10
